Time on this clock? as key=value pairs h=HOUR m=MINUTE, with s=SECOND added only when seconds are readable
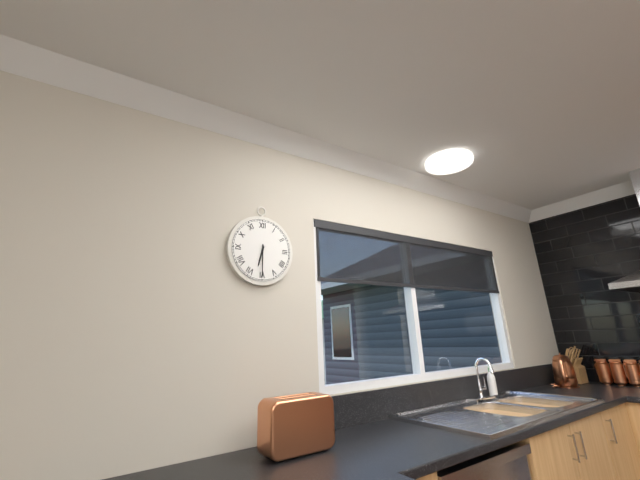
h=6 m=30
